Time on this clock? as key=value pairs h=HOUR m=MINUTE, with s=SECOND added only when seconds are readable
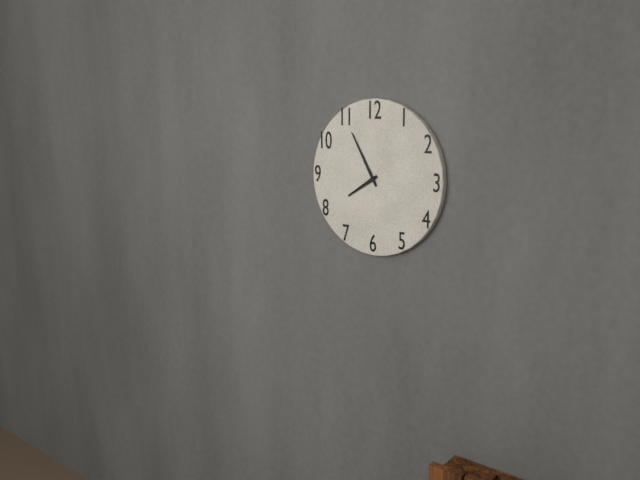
h=7 m=55
